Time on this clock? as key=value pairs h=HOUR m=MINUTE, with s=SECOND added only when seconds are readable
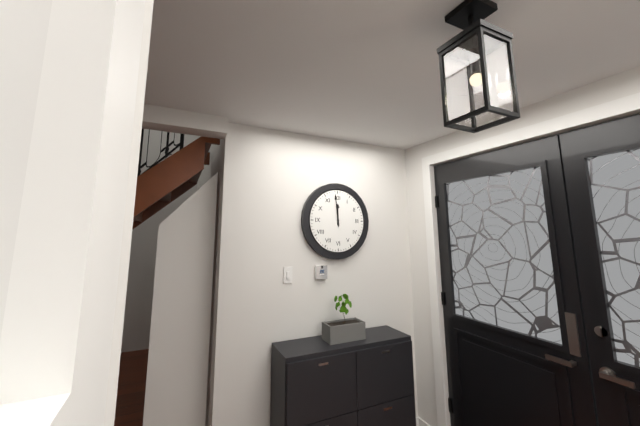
h=11 m=59
